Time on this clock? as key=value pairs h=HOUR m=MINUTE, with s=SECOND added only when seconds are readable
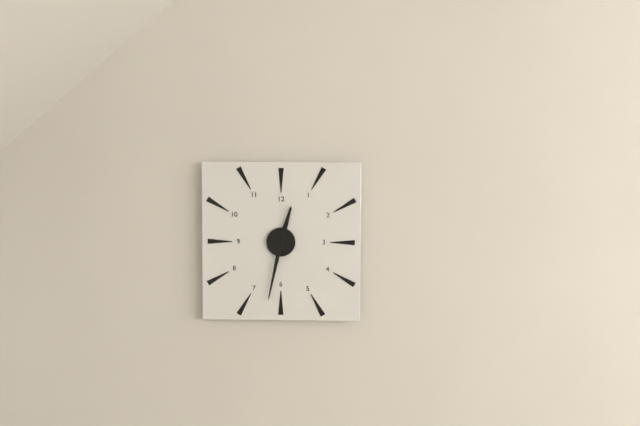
h=12 m=32
